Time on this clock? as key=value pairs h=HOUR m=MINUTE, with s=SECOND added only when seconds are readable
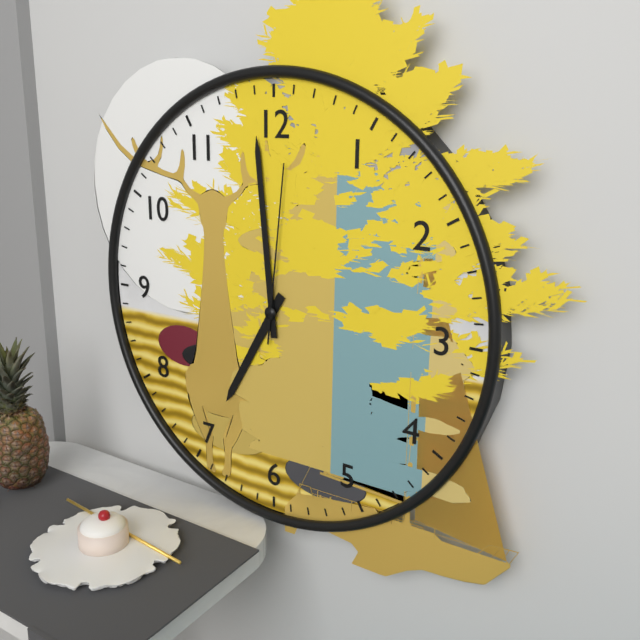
h=6 m=59 s=1
